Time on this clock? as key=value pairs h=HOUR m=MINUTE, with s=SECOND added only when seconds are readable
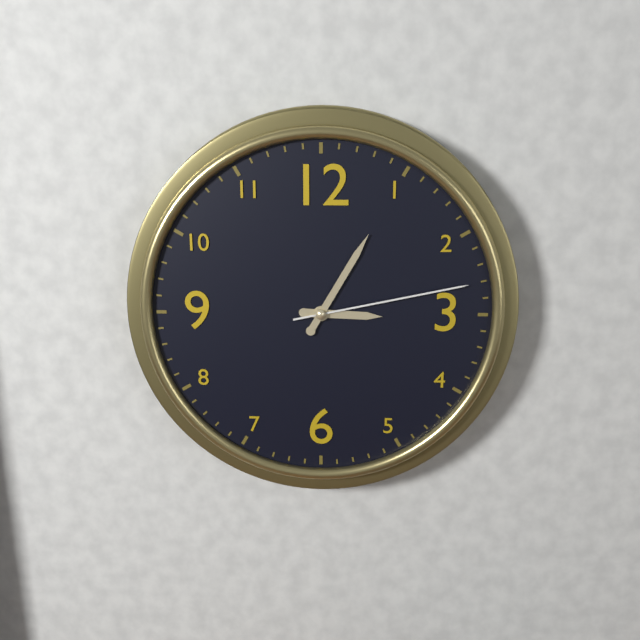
h=3 m=5 s=13
